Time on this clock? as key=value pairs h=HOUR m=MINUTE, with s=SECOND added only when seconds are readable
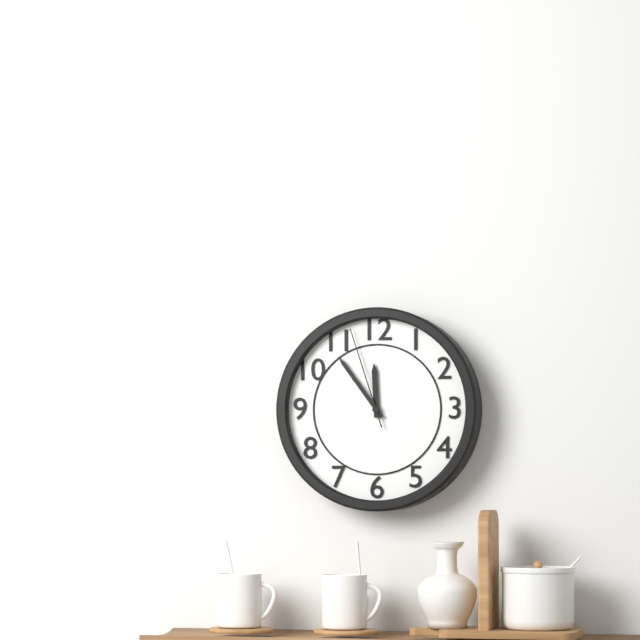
h=11 m=54 s=57
